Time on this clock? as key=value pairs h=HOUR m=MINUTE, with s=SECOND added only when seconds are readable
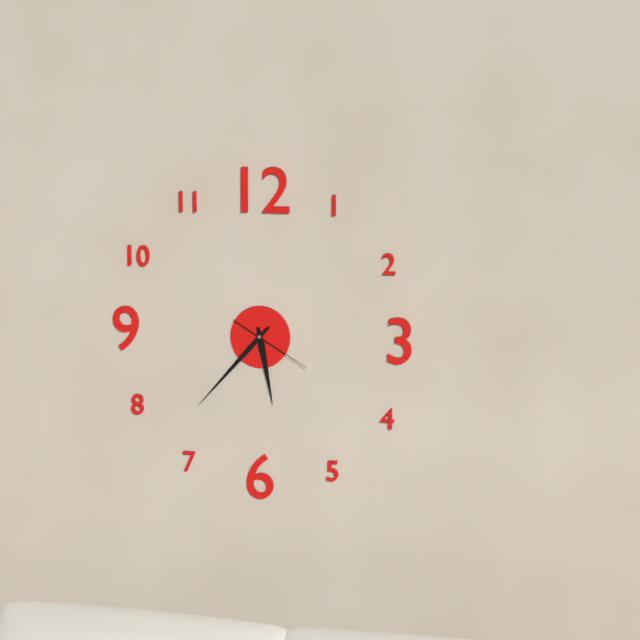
h=5 m=37 s=20
